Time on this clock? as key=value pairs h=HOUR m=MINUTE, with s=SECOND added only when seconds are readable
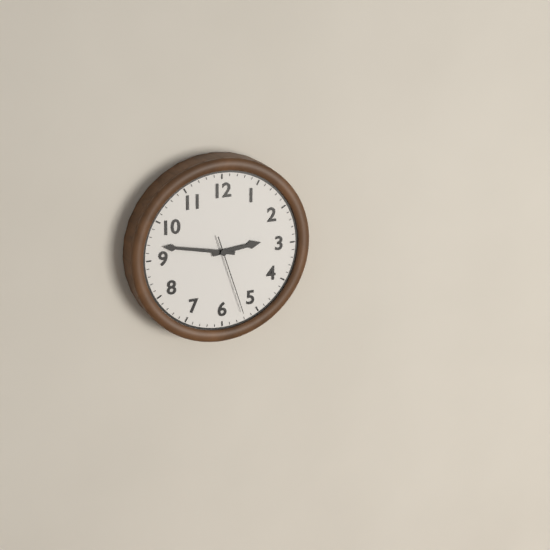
h=2 m=47 s=27
